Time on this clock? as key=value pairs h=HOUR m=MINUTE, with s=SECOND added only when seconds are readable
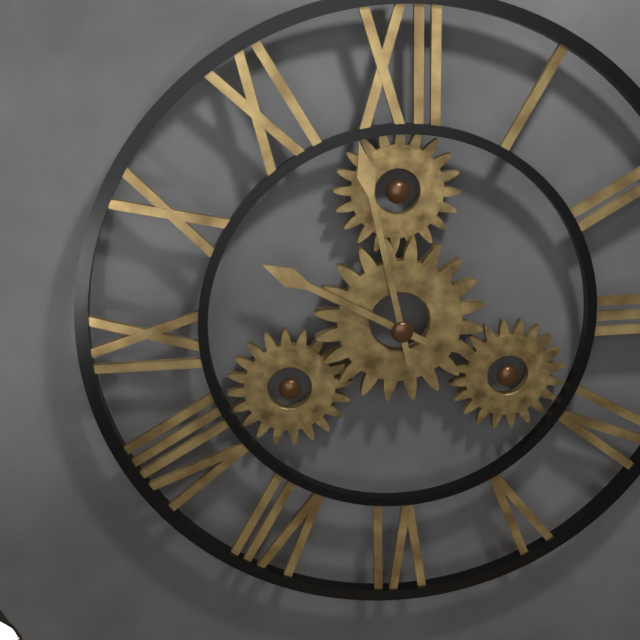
h=9 m=58
